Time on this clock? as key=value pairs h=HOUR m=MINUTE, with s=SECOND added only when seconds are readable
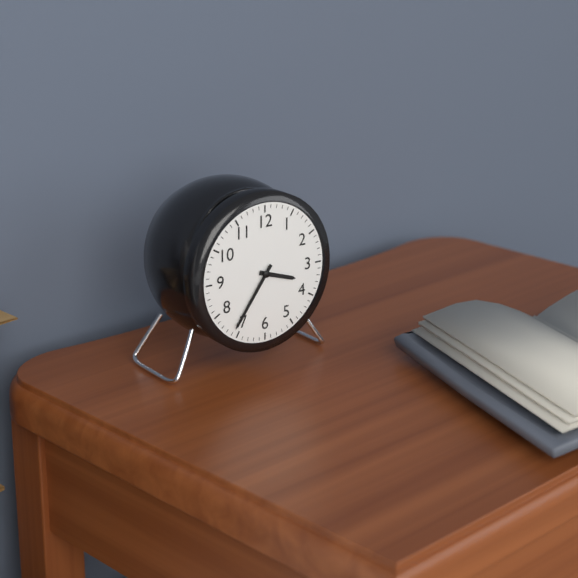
h=3 m=36
